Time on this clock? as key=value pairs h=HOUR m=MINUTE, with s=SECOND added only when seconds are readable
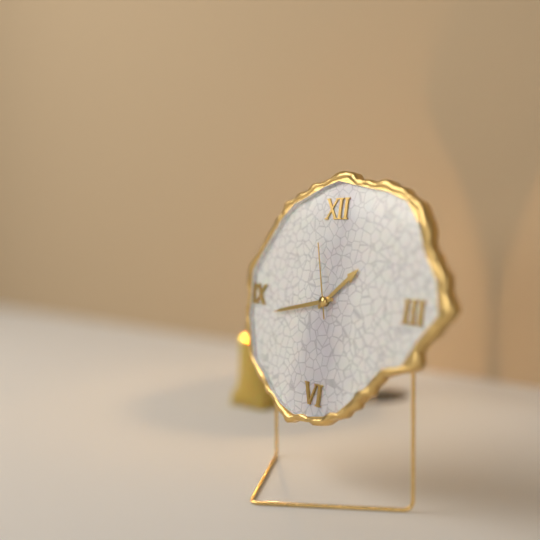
h=1 m=43 s=57
